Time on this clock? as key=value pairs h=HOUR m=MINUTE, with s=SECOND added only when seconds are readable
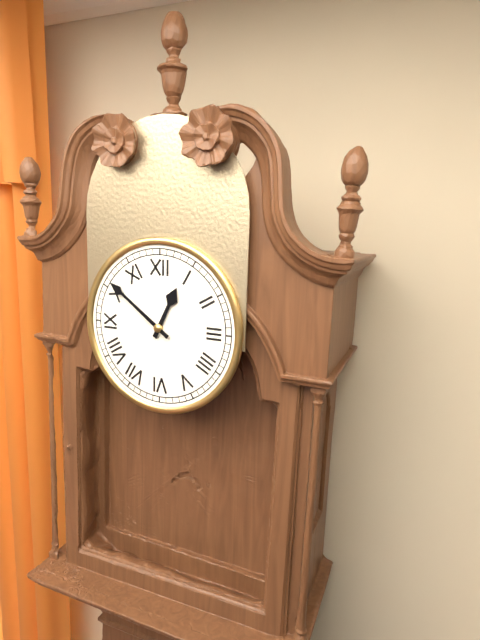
h=12 m=51
